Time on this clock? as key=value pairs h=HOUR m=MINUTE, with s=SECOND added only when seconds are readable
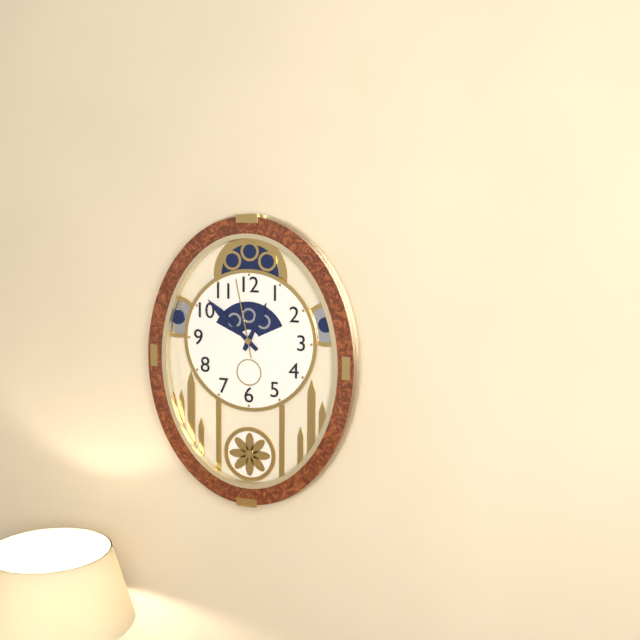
h=12 m=52 s=58
